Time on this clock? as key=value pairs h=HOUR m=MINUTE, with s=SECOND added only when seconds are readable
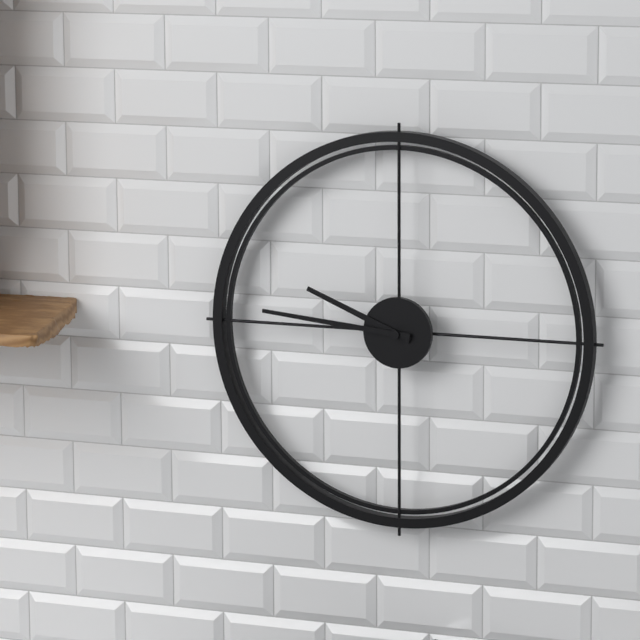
h=9 m=46
